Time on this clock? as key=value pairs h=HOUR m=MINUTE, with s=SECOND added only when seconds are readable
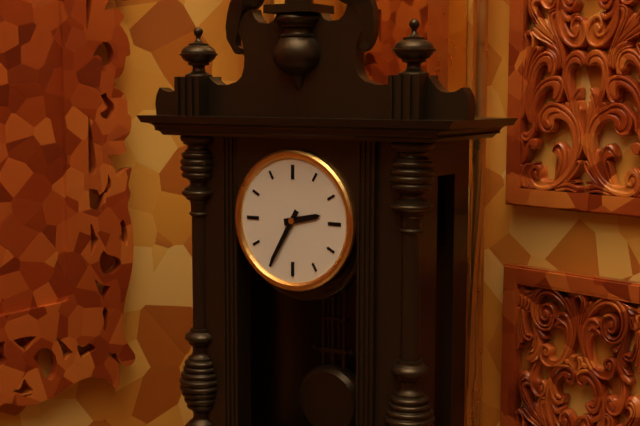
h=2 m=35
